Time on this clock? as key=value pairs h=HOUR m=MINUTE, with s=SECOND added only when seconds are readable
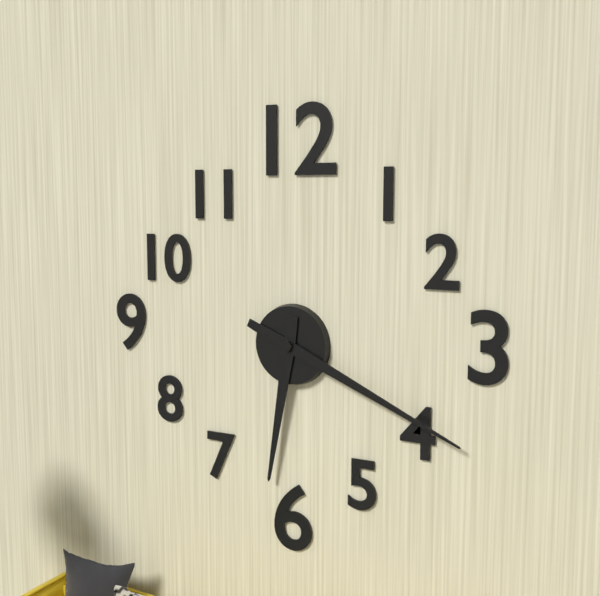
h=6 m=19
